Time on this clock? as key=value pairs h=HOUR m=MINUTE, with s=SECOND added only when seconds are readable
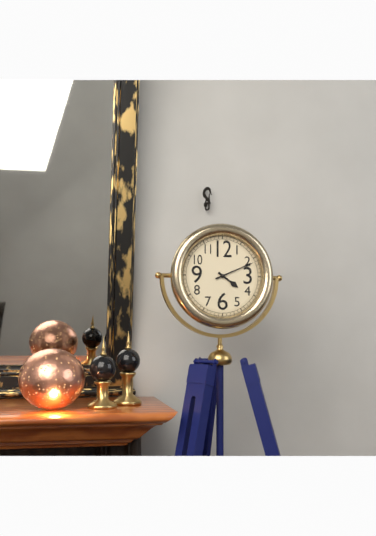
h=4 m=11
